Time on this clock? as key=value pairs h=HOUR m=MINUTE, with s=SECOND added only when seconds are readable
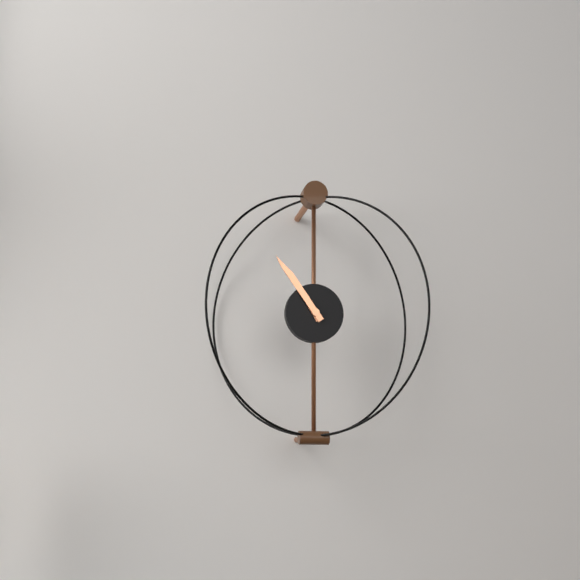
h=10 m=54
